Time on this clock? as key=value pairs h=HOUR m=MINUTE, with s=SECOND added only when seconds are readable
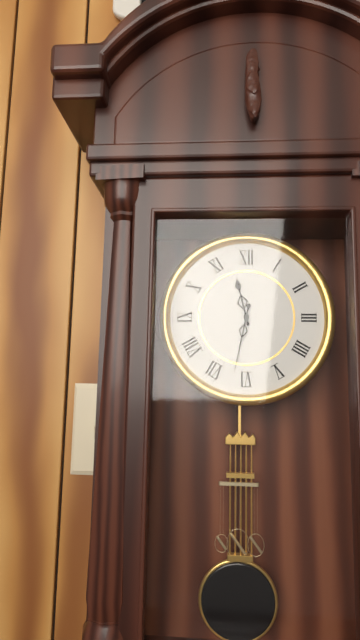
h=11 m=32
